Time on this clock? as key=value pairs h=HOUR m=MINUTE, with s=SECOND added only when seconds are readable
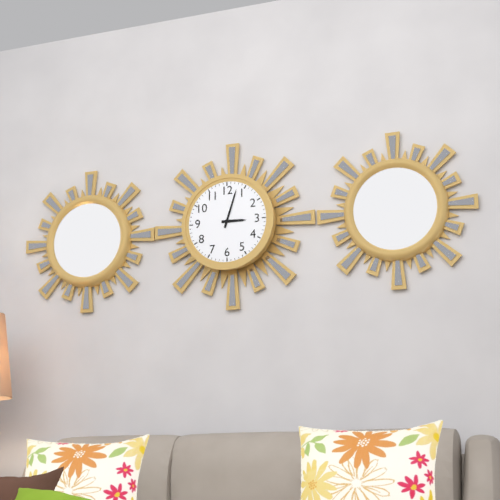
h=3 m=3
